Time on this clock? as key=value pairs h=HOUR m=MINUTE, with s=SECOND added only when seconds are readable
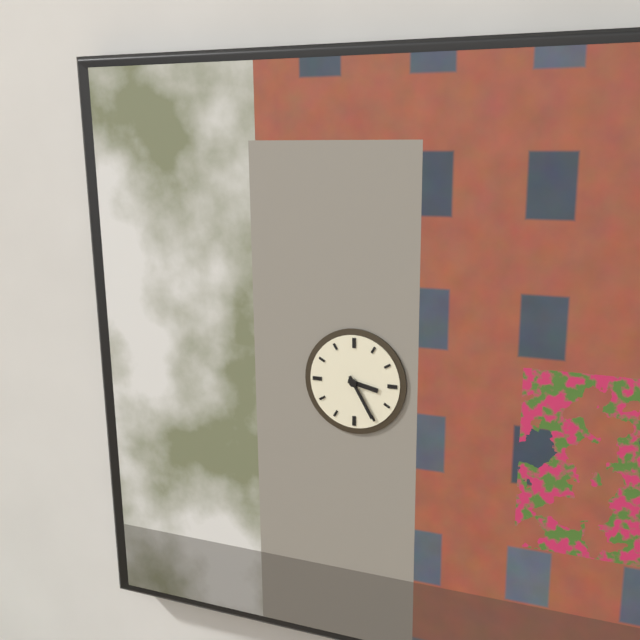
h=3 m=25
